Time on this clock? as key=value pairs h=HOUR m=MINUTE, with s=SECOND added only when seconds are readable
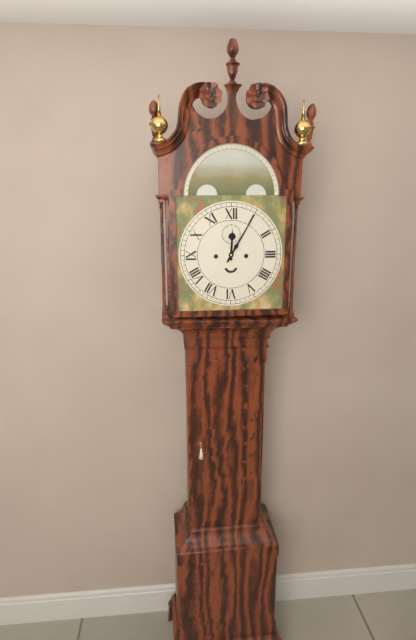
h=12 m=5
